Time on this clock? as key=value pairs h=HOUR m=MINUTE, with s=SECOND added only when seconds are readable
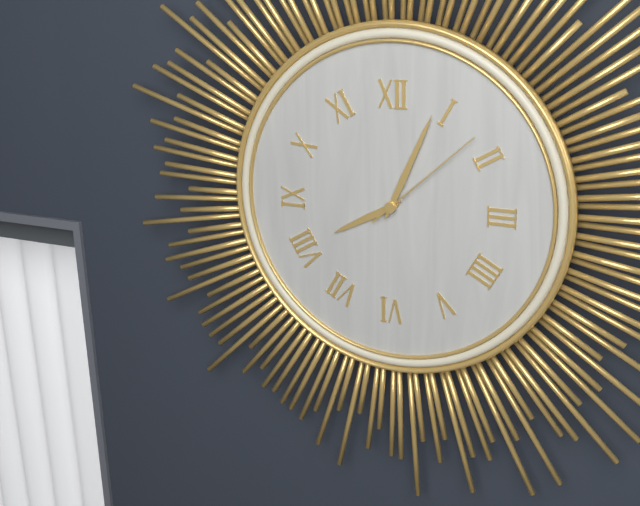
h=8 m=4 s=8
